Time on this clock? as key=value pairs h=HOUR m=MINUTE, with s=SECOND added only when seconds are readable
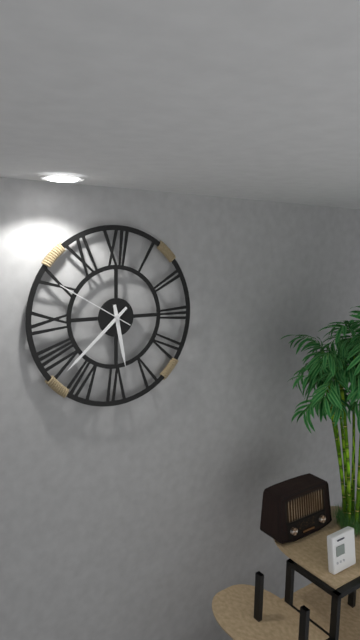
h=5 m=38 s=50
